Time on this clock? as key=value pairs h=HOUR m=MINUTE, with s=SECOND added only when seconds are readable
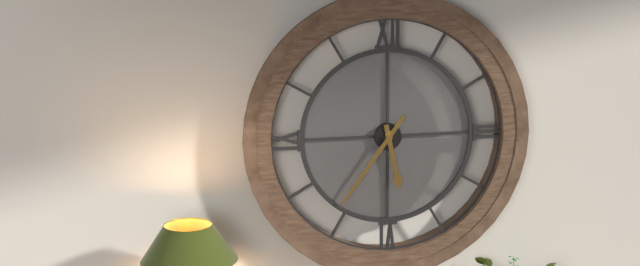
h=5 m=36
